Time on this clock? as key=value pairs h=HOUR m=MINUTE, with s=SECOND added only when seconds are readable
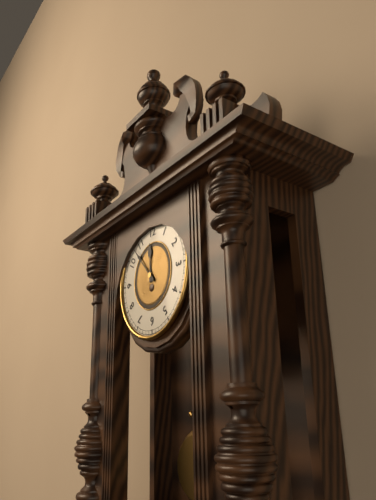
h=11 m=53
